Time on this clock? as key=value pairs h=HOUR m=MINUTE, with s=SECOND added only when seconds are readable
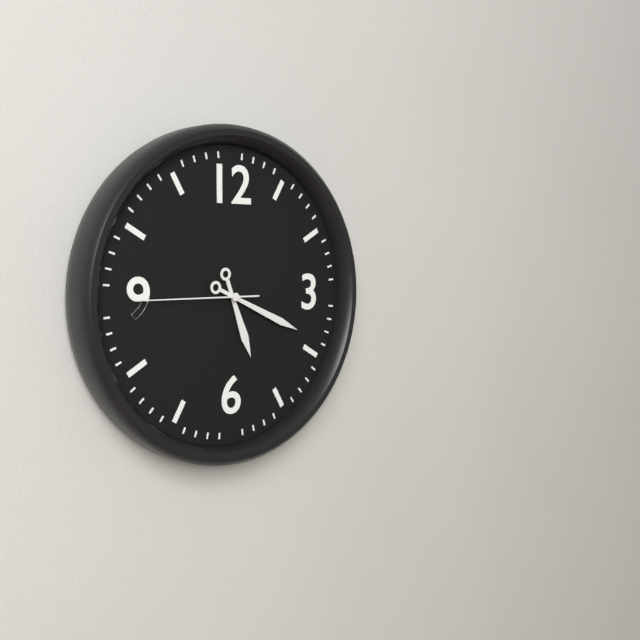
h=5 m=19 s=45
